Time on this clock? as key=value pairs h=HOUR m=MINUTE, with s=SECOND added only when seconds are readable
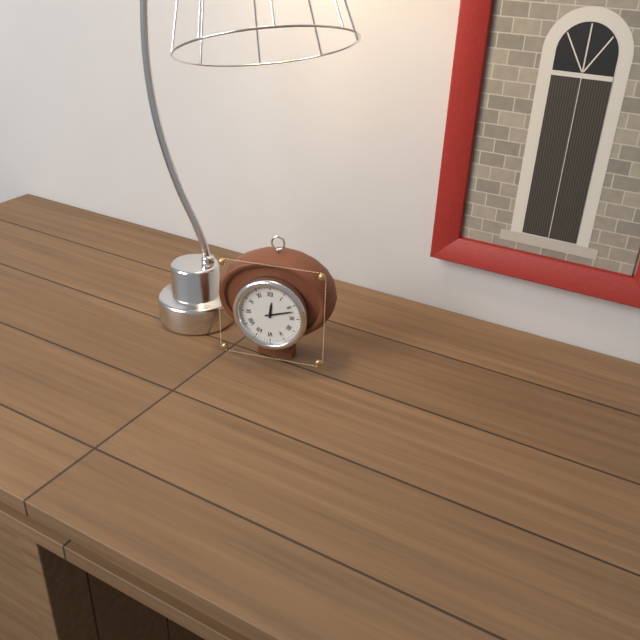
h=12 m=12
